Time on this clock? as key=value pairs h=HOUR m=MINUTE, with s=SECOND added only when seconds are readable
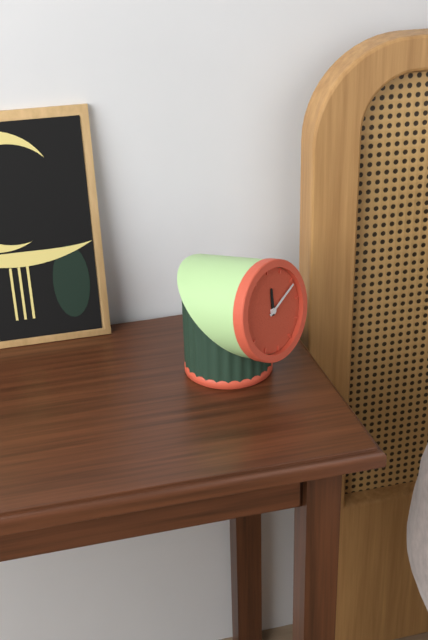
h=12 m=11
